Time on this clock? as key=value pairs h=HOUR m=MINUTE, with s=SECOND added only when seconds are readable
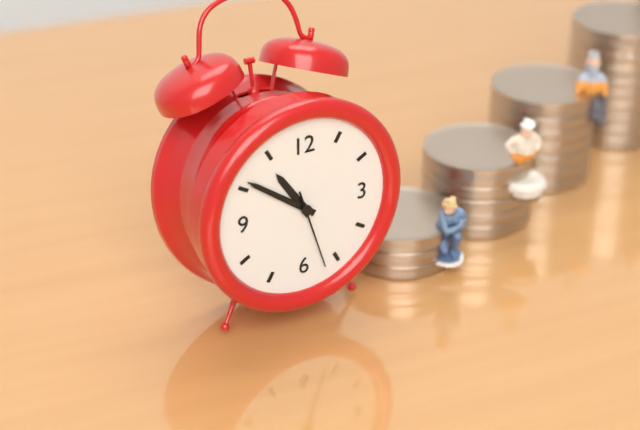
h=10 m=51 s=27
